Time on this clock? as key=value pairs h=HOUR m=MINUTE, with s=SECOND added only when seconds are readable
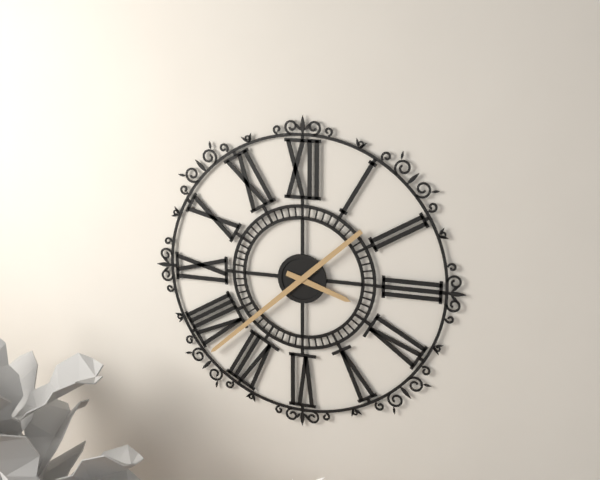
h=3 m=38
